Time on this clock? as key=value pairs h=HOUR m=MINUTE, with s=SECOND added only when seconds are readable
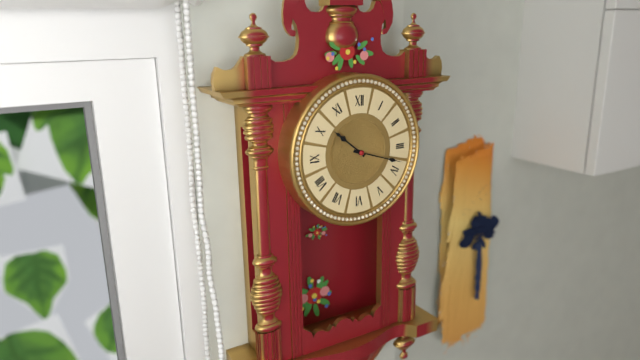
h=10 m=18
